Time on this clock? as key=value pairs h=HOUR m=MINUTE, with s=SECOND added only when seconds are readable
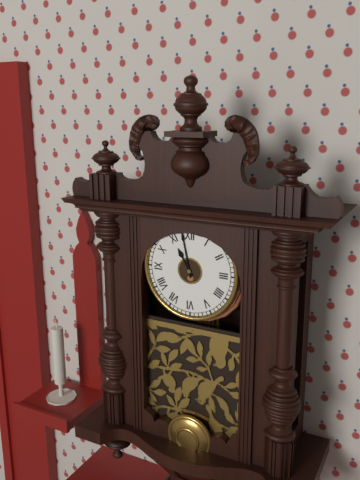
h=10 m=58
